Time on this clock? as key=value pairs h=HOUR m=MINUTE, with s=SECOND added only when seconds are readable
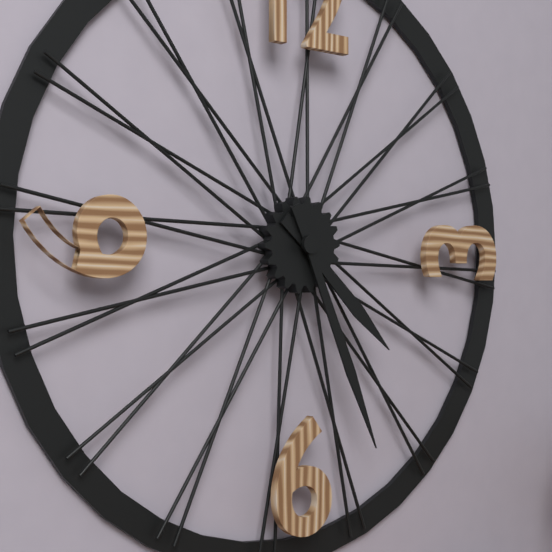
h=4 m=26
